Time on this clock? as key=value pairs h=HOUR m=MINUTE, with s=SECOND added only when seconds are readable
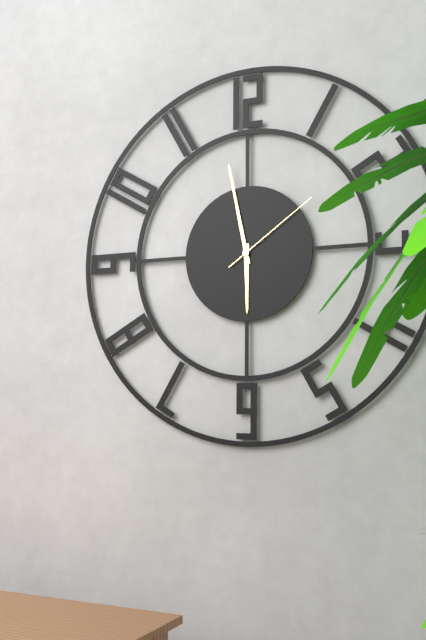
h=5 m=58 s=9
